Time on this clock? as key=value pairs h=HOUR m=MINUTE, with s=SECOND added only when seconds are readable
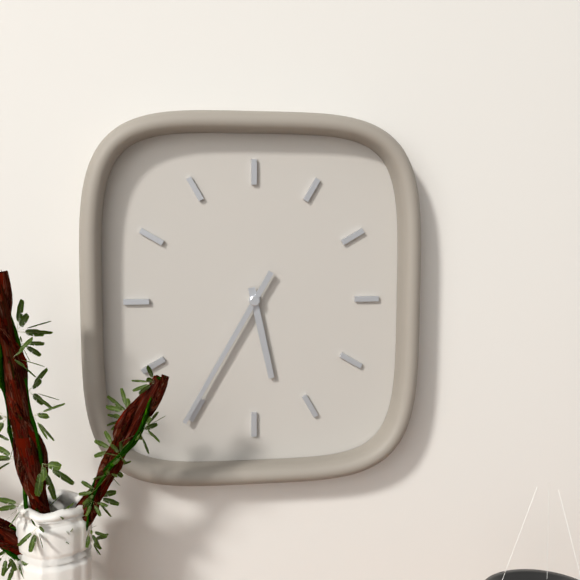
h=5 m=35
